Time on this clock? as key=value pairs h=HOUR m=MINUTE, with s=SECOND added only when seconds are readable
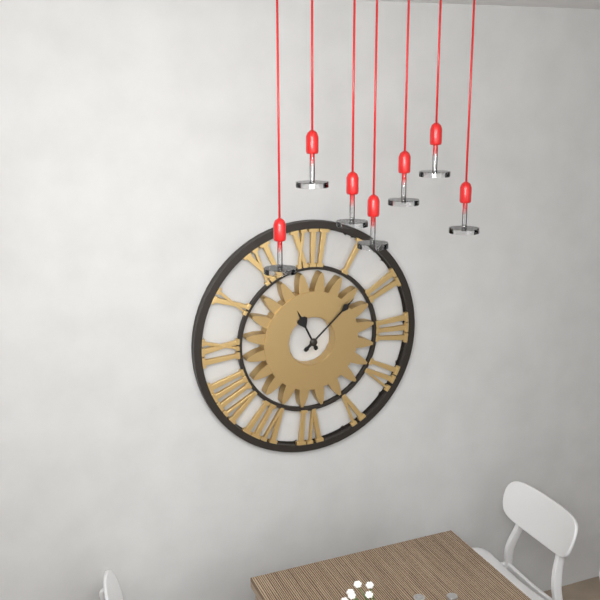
h=11 m=8
